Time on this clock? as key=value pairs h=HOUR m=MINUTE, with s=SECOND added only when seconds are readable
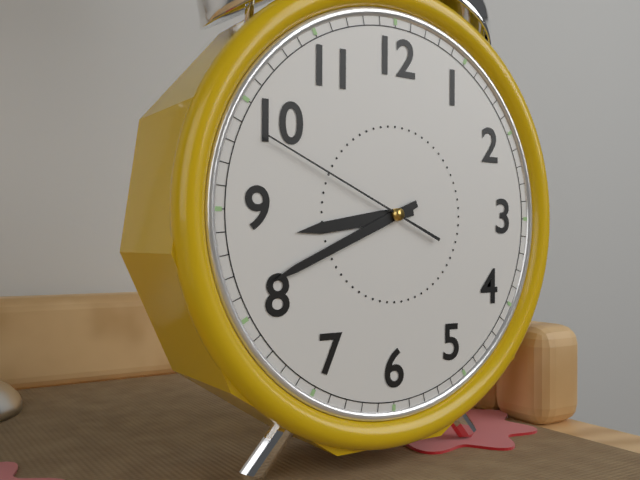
h=8 m=41 s=49
